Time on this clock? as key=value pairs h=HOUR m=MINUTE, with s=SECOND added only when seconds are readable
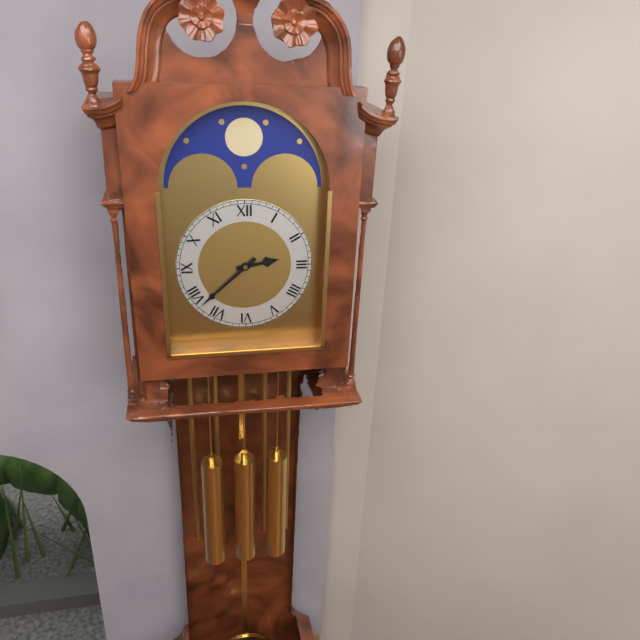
h=2 m=38
